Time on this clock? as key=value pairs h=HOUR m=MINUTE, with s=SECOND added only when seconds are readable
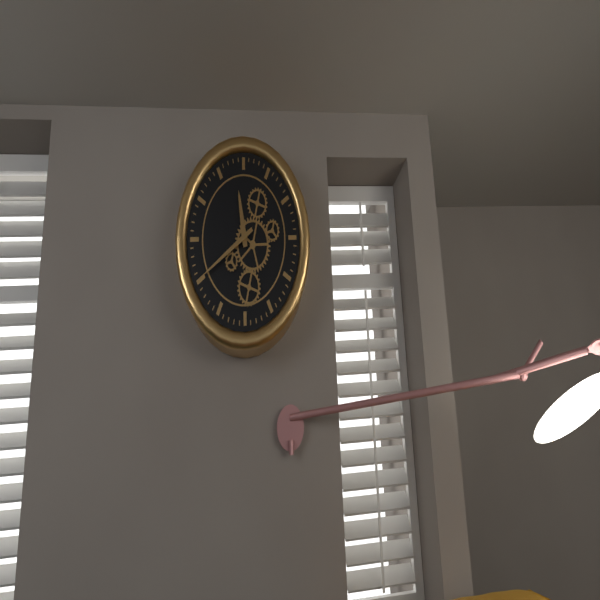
h=11 m=40
